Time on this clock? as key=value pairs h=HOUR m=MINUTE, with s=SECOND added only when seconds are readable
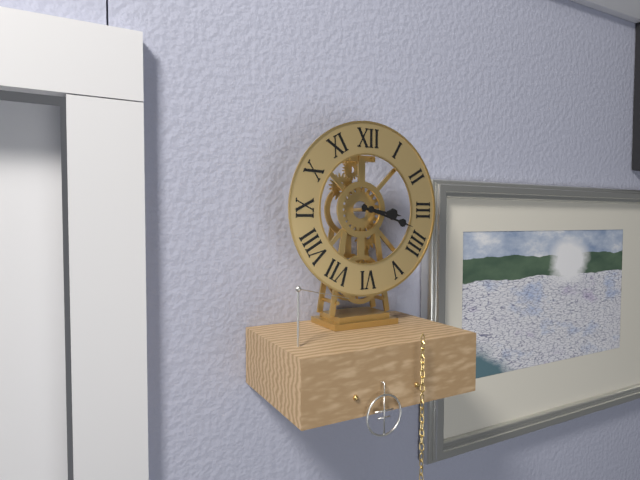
h=3 m=18
